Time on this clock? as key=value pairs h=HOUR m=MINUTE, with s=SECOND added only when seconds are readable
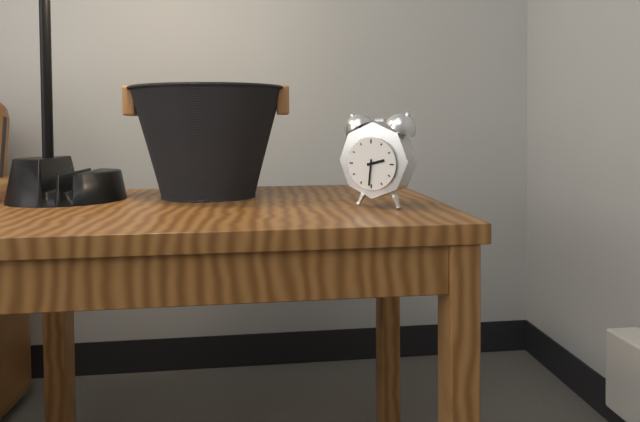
h=2 m=31
